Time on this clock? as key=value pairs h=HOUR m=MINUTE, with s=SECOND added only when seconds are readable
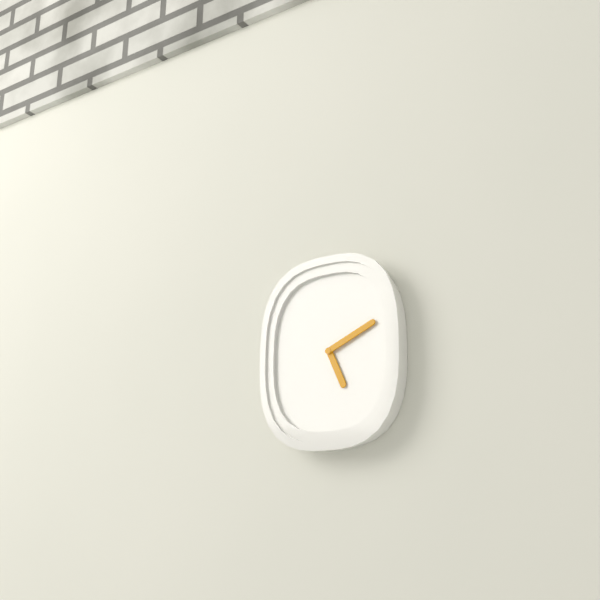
h=5 m=11
